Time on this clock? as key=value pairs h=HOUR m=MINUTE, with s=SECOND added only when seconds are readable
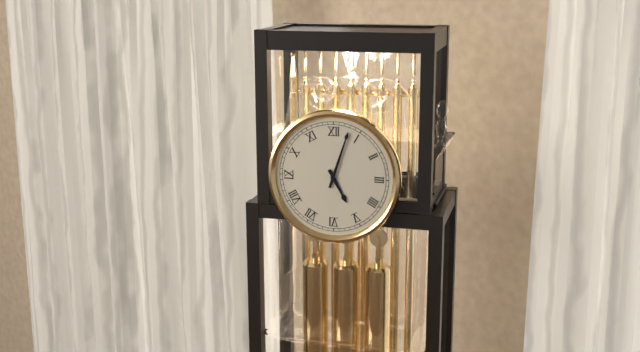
h=5 m=3
